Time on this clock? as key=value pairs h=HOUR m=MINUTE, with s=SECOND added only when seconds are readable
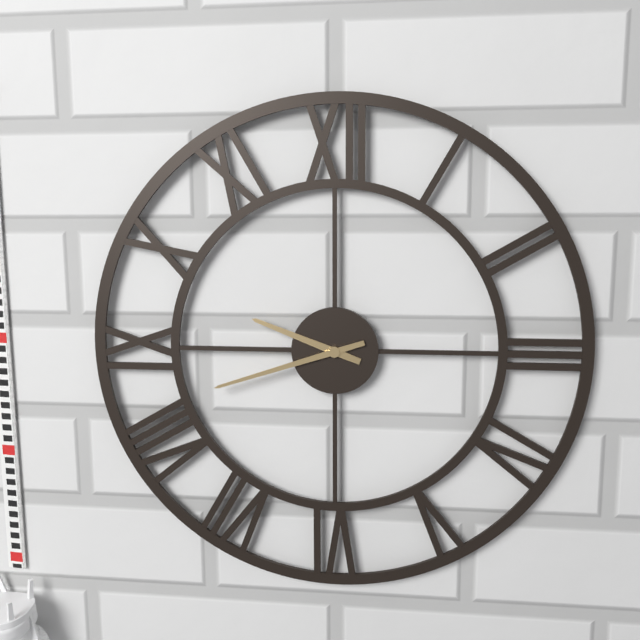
h=9 m=42
